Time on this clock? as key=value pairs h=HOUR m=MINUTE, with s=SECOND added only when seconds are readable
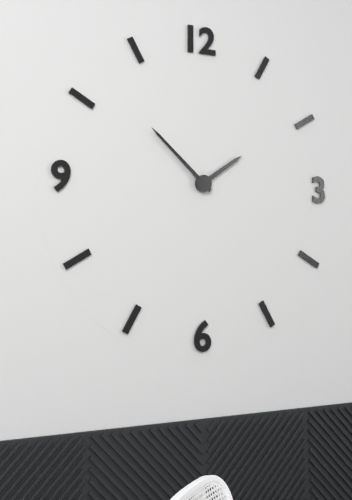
h=1 m=52
